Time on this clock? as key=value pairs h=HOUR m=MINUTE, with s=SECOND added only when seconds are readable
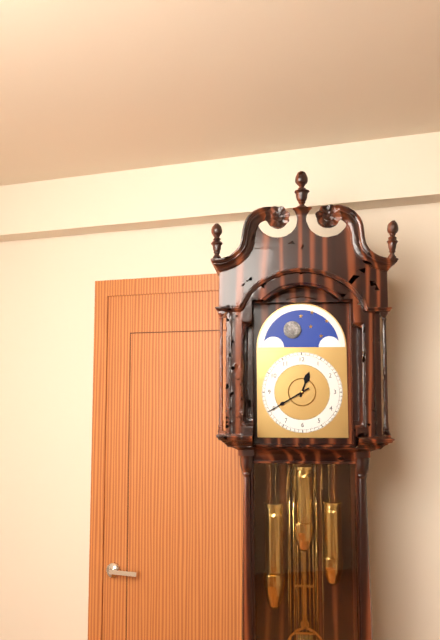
h=12 m=40
